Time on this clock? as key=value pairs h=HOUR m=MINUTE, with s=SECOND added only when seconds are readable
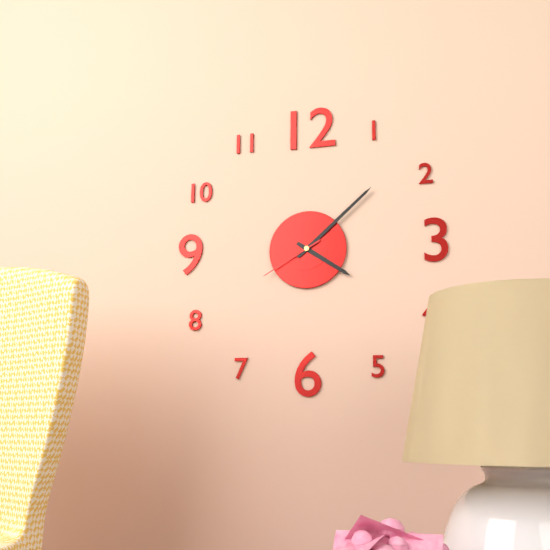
h=4 m=8 s=40
